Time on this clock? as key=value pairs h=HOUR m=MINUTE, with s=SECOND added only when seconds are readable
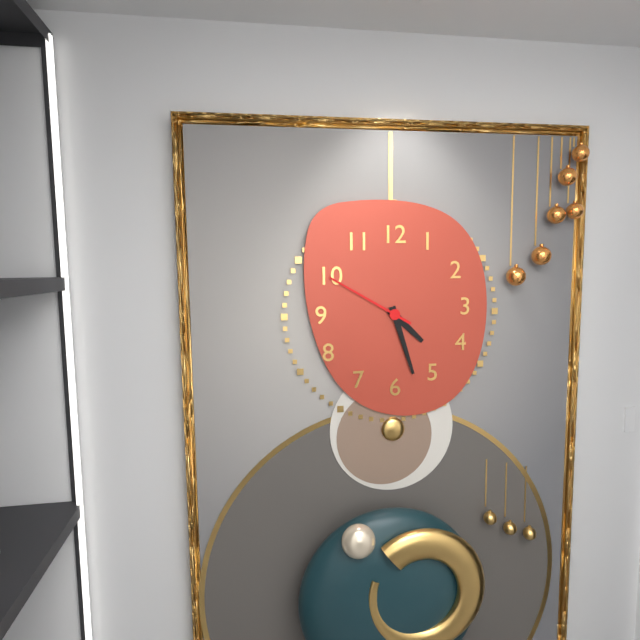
h=4 m=27 s=50
